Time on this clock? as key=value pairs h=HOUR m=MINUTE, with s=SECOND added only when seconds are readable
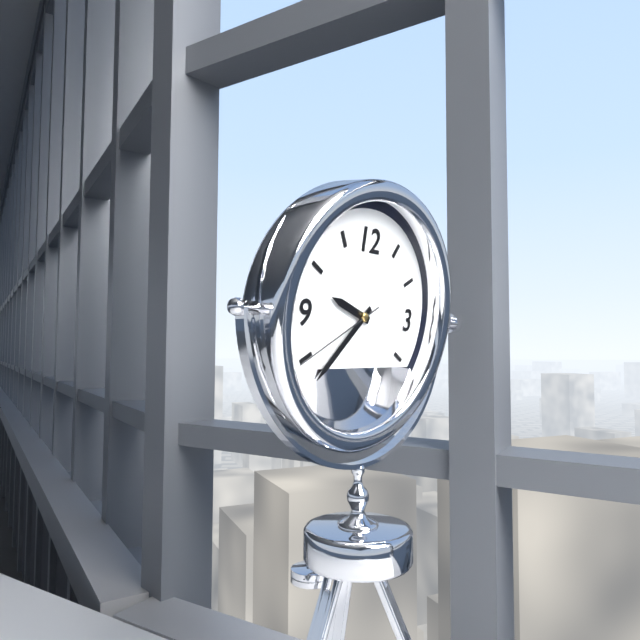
h=9 m=37 s=40
